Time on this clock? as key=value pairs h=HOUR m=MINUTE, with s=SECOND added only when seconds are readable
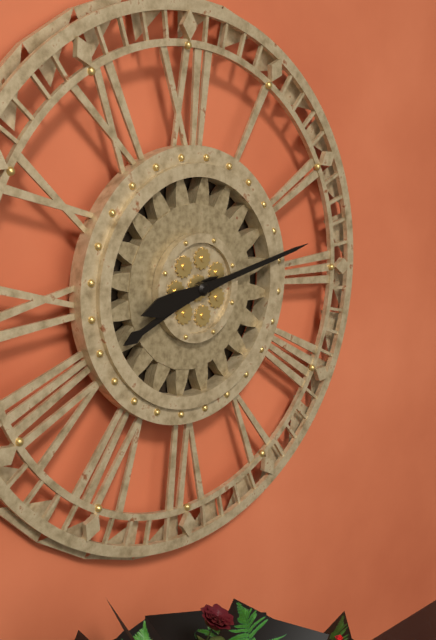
h=8 m=13
